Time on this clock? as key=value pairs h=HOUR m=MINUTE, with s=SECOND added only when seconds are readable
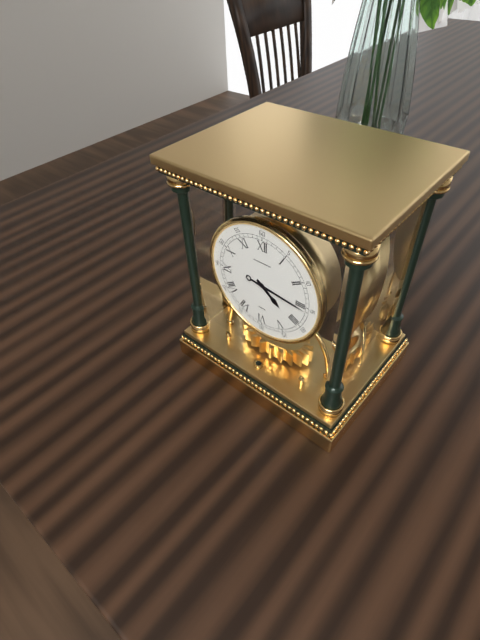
h=4 m=16
